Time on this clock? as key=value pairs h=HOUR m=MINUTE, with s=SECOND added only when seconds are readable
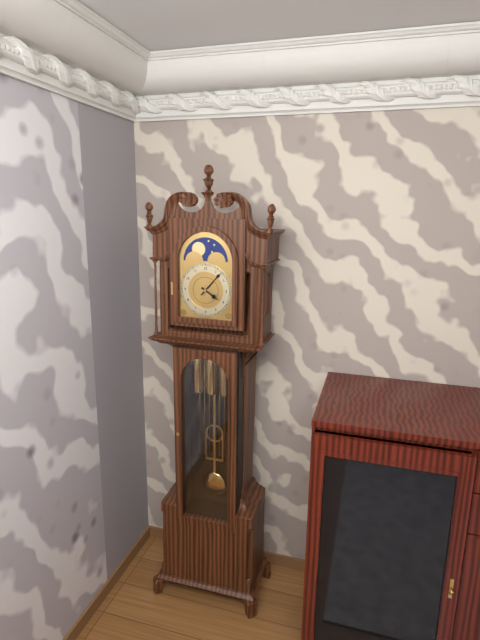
h=4 m=7
